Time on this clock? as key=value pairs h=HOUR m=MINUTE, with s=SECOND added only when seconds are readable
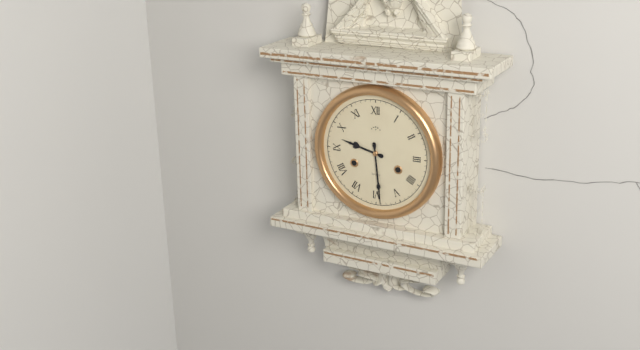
h=9 m=29
